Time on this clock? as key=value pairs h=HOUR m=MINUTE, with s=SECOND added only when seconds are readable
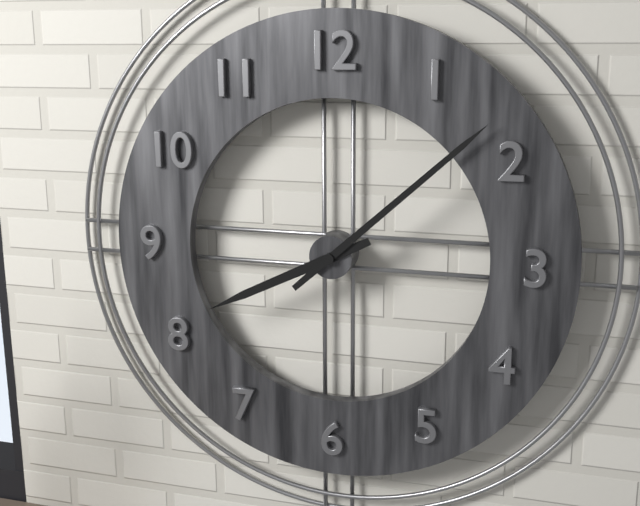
h=8 m=8
